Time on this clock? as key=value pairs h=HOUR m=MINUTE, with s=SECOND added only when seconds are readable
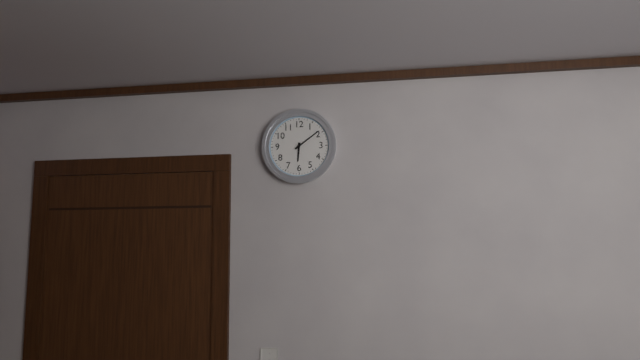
h=6 m=9
